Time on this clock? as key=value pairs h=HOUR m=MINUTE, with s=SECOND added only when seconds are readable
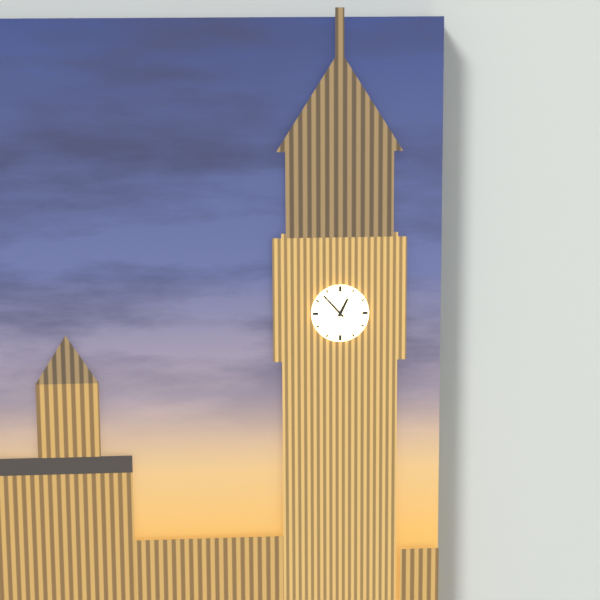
h=12 m=53
